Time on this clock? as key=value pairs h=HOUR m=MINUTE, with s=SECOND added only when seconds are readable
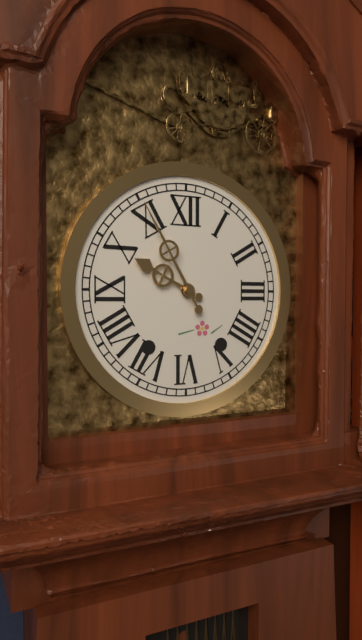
h=9 m=55
